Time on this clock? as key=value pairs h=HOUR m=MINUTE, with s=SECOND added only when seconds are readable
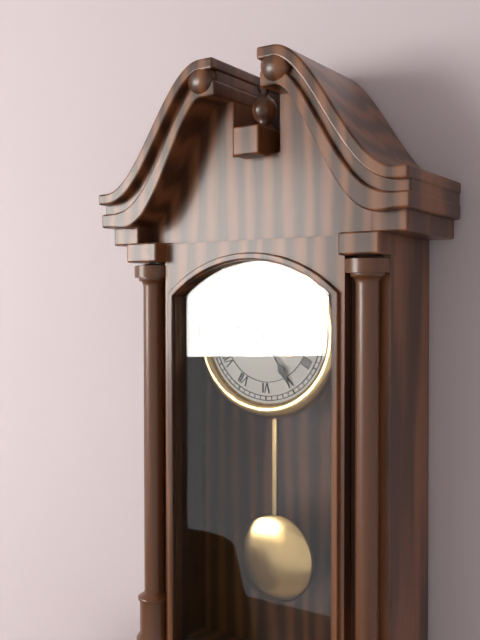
h=9 m=25
